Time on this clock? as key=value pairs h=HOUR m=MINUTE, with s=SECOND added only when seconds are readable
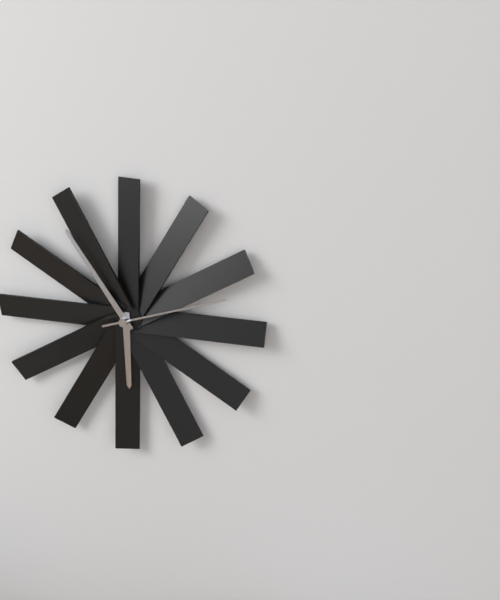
h=5 m=54 s=12
